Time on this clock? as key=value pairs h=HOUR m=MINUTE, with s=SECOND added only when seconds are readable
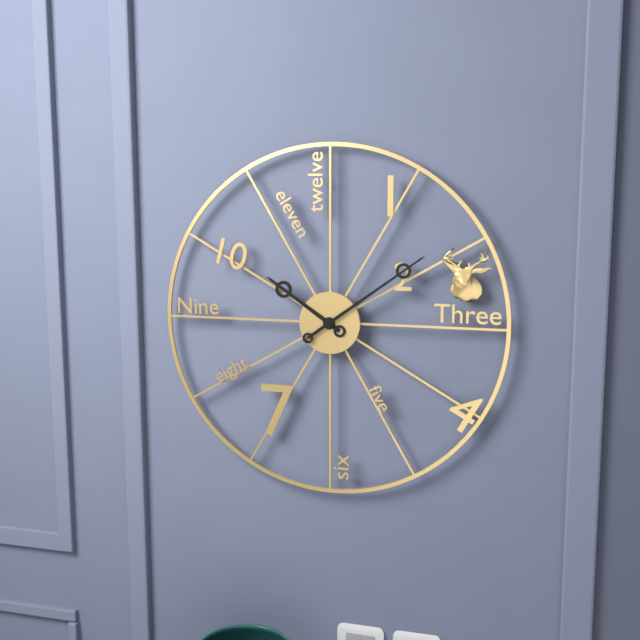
h=10 m=9
